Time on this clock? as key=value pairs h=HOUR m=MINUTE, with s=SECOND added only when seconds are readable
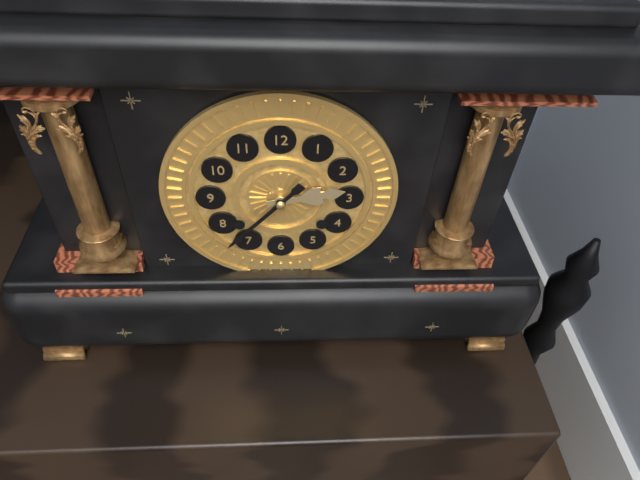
h=2 m=37
